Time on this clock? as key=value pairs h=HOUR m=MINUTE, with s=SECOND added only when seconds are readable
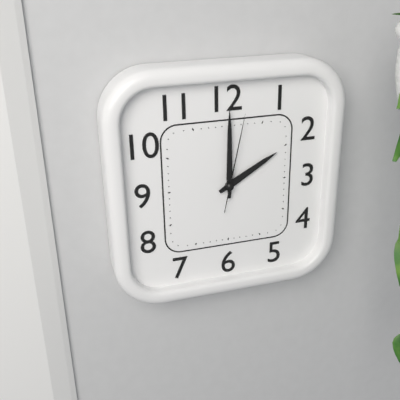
h=2 m=0 s=2
